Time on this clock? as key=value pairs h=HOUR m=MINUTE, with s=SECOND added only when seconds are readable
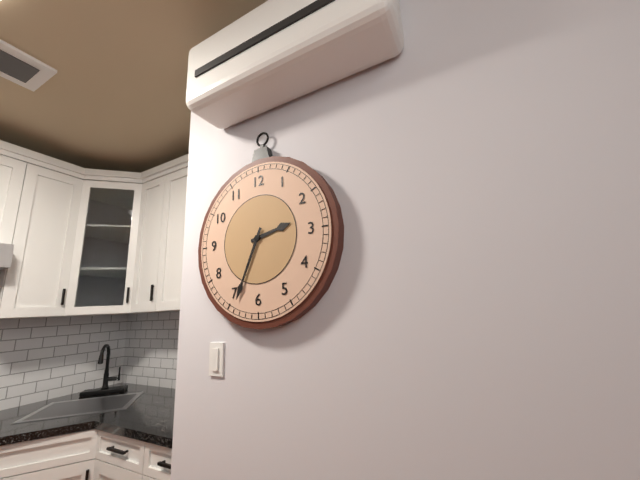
h=2 m=34
